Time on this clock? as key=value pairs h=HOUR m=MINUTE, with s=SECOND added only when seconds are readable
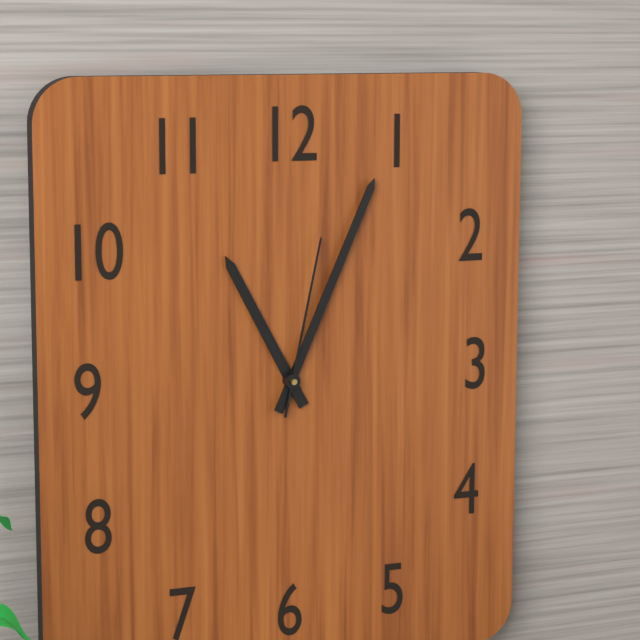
h=11 m=4 s=2
